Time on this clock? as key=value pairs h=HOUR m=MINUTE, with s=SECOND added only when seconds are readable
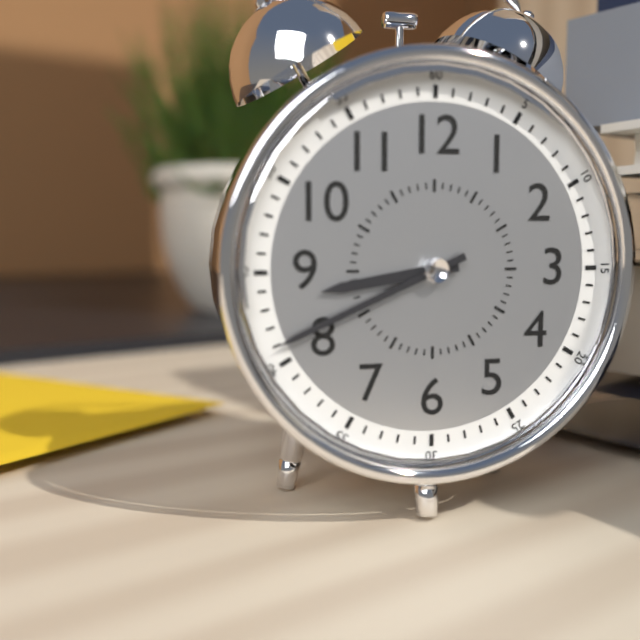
h=8 m=41
